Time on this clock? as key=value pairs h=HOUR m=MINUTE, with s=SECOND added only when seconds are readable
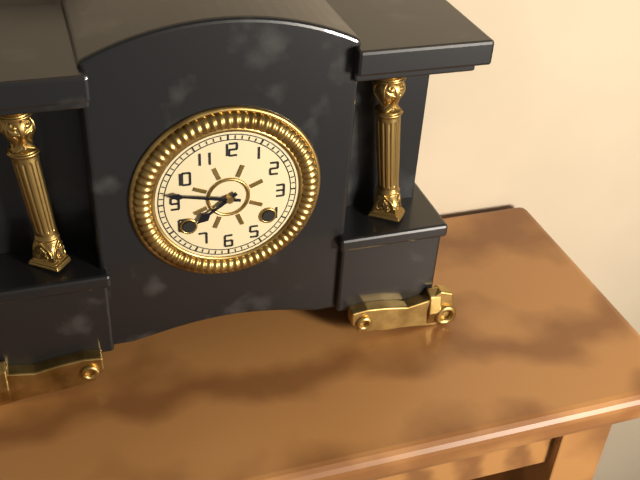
h=7 m=47
